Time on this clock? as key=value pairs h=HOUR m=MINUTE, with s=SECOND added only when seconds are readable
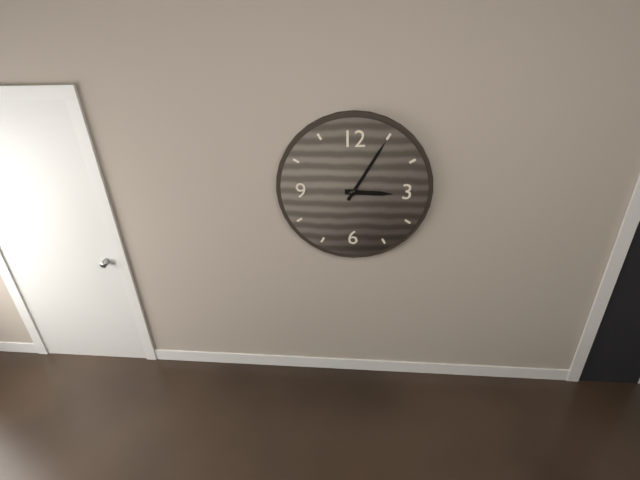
h=3 m=5
